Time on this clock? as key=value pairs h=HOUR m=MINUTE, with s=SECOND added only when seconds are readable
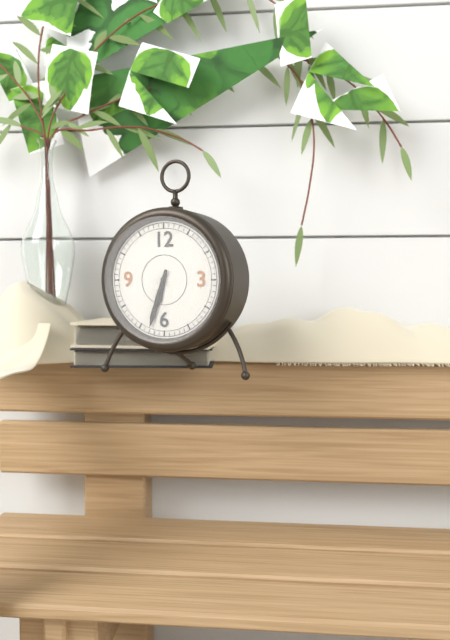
h=6 m=33
